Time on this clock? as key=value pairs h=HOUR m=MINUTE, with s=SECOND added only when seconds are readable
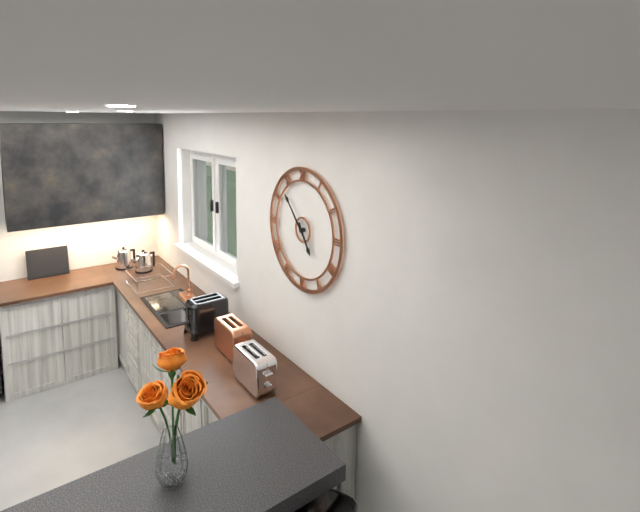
h=4 m=53
